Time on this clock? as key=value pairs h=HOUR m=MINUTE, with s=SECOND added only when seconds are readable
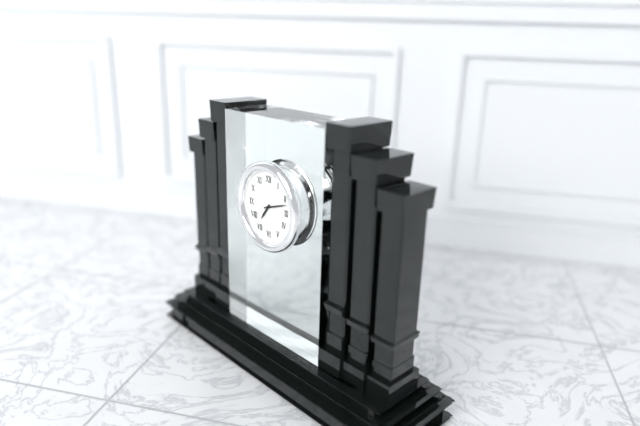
h=7 m=12
